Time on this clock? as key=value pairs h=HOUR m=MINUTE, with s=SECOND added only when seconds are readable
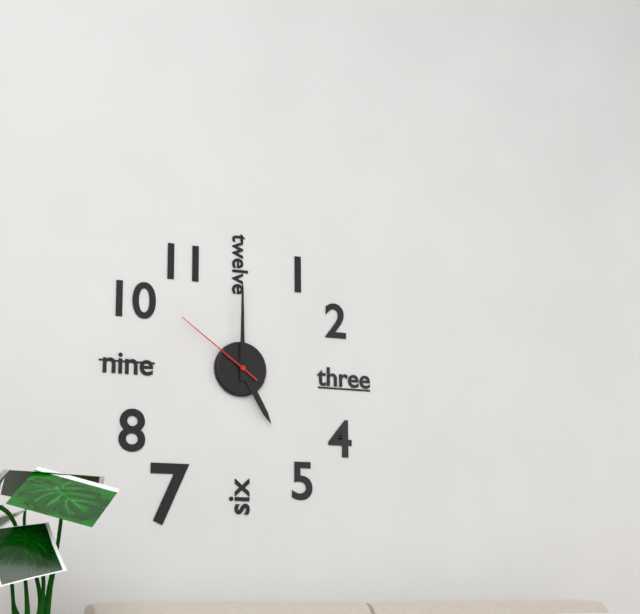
h=5 m=0 s=51
